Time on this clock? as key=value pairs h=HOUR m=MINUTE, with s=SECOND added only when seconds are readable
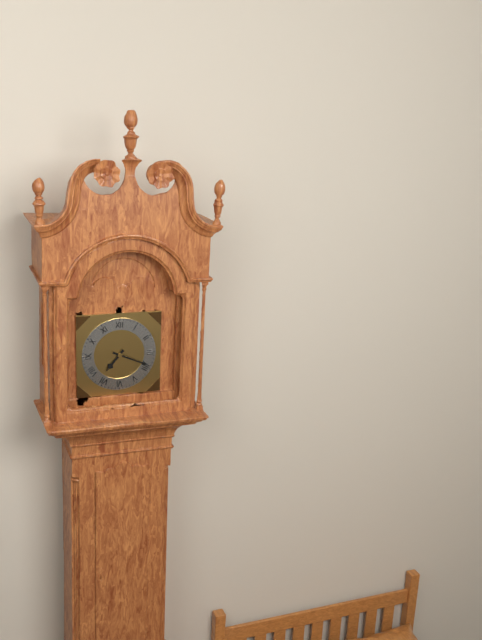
h=7 m=19
